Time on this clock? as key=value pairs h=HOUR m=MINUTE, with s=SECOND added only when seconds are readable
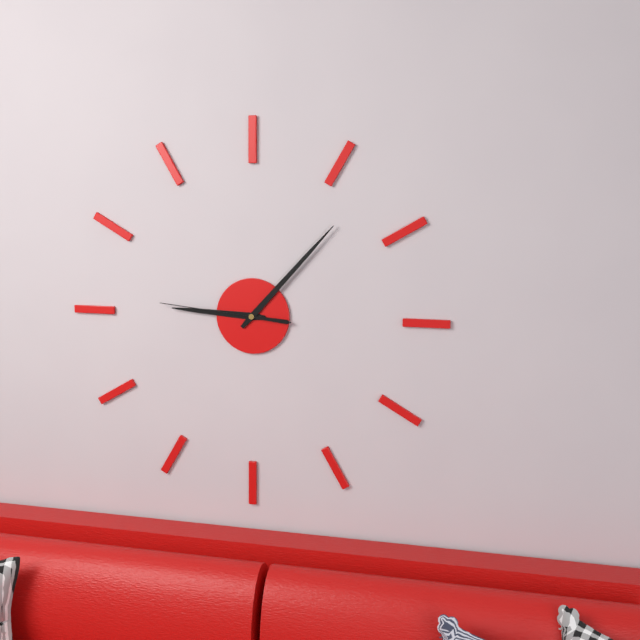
h=9 m=7 s=46
